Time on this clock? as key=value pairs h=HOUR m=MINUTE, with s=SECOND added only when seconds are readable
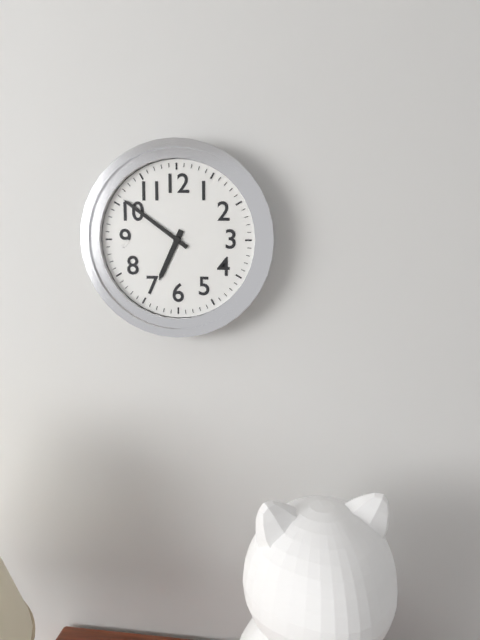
h=6 m=51
